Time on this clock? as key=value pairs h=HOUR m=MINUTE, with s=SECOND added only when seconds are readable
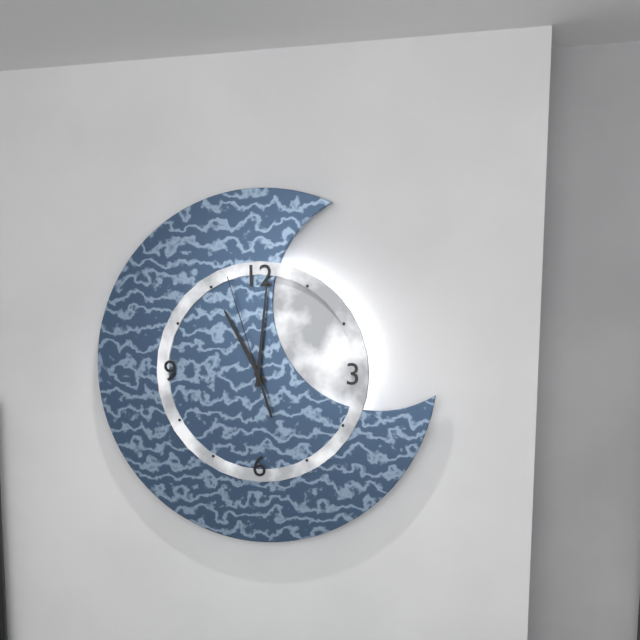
h=11 m=1 s=57
